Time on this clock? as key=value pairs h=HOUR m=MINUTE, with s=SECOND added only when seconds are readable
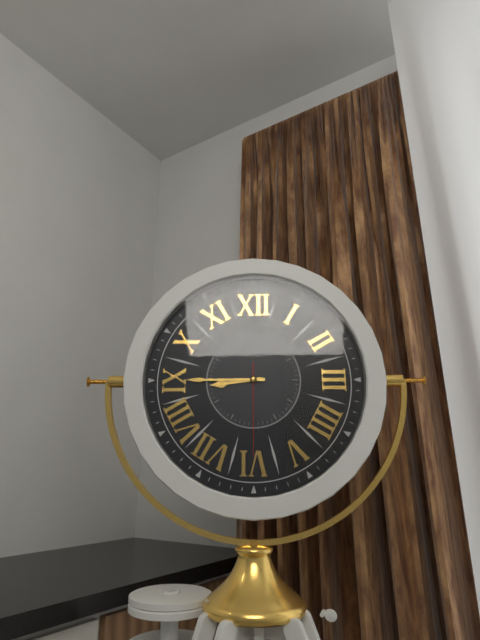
h=8 m=45 s=30
